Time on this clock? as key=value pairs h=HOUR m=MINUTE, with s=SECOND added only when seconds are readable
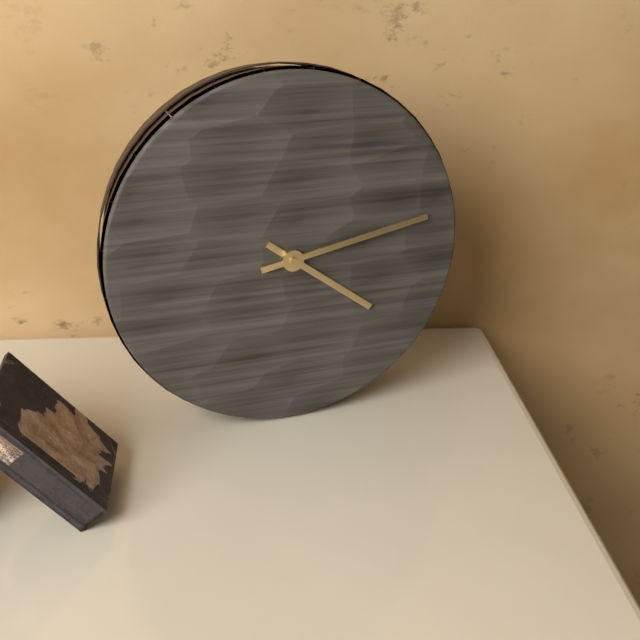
h=4 m=13
